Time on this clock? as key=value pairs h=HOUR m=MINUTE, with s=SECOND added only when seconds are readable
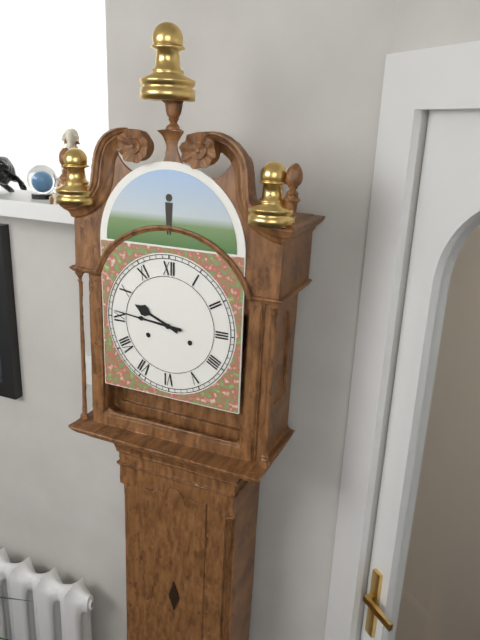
h=9 m=46
